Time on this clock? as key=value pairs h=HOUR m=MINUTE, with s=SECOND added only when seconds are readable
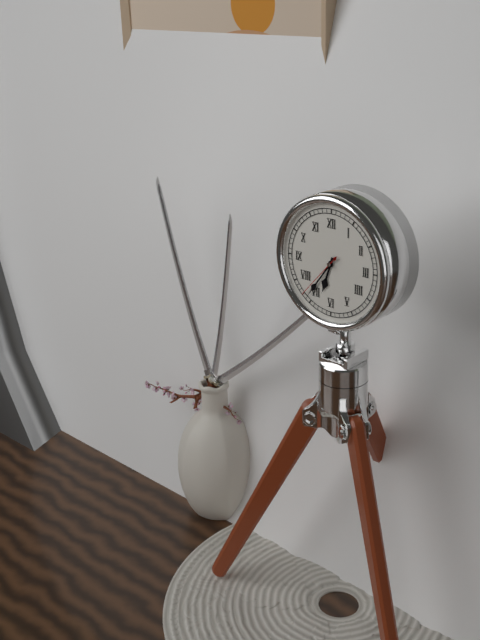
h=6 m=36 s=37
